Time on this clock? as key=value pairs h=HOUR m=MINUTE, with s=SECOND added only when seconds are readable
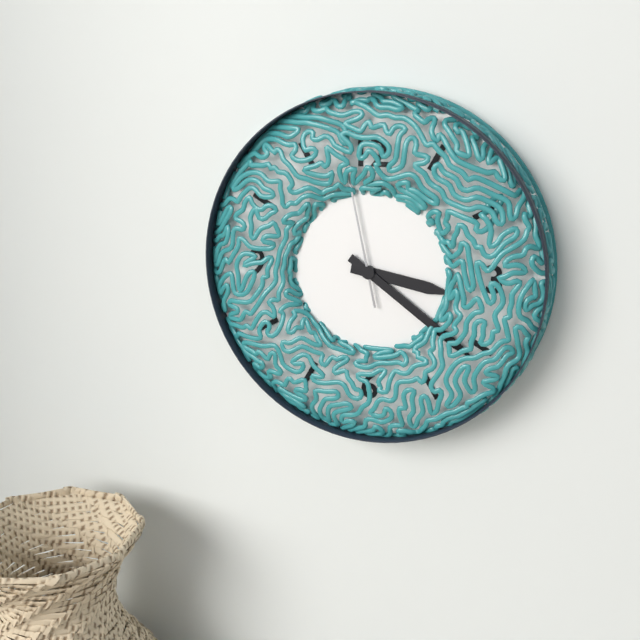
h=3 m=21 s=58
